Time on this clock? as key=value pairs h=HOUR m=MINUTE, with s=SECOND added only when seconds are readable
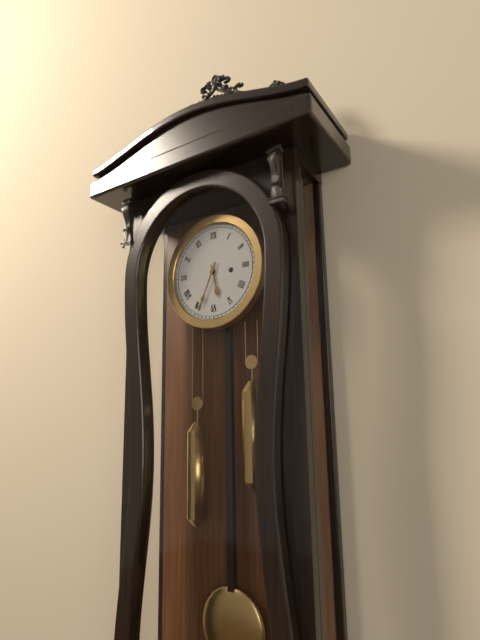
h=5 m=34
